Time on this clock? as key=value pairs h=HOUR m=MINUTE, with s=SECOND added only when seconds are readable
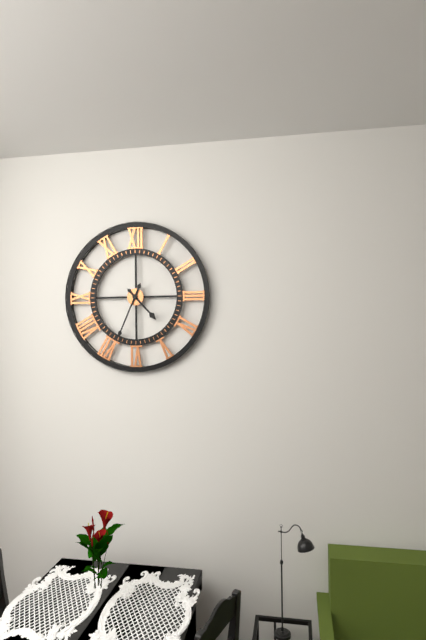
h=4 m=34
